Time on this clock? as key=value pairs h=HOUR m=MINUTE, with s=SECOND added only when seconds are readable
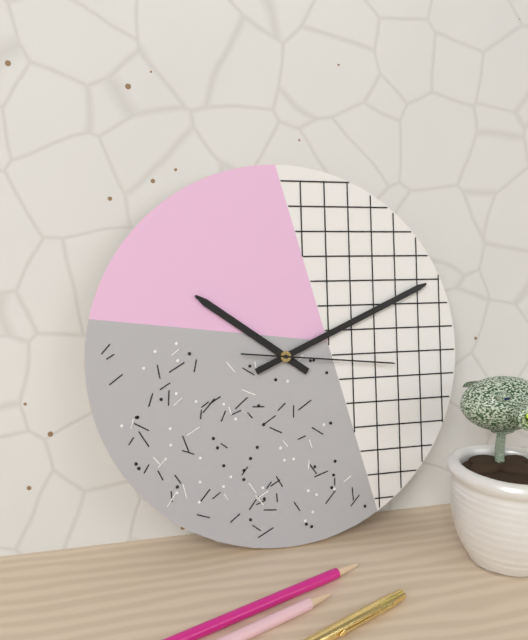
h=10 m=11 s=16
